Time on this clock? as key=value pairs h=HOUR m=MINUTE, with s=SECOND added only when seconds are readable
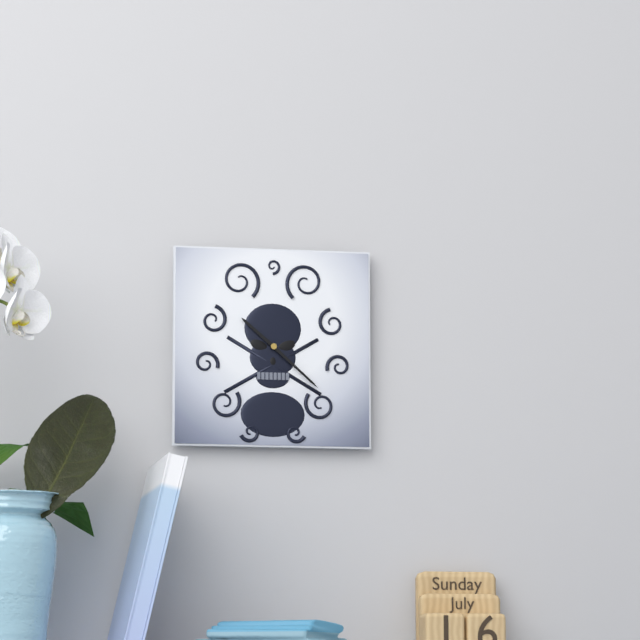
h=10 m=22
